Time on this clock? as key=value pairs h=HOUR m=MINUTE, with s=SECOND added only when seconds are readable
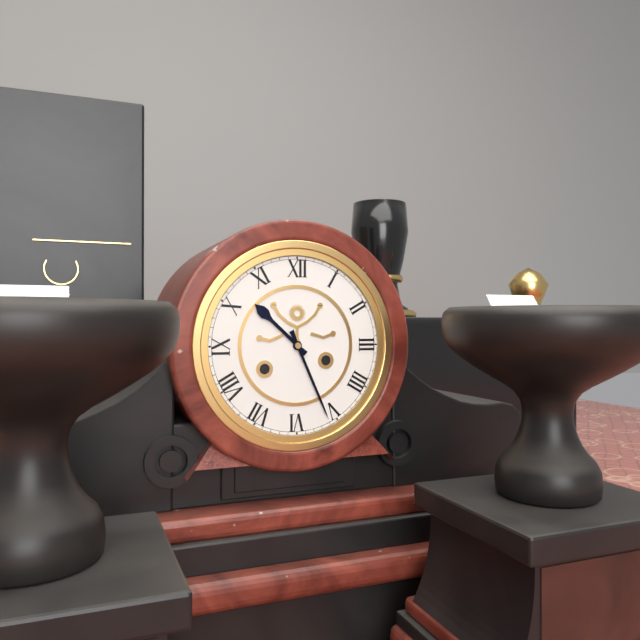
h=10 m=26
